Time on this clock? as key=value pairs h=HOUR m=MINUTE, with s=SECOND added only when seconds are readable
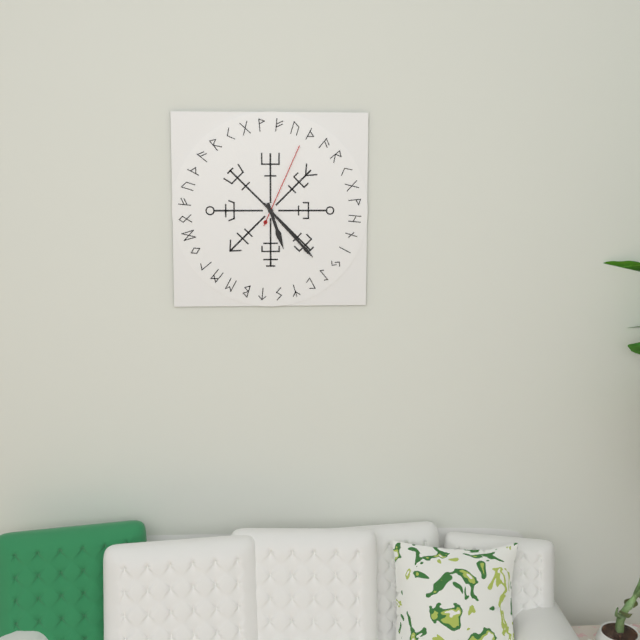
h=5 m=23 s=4
